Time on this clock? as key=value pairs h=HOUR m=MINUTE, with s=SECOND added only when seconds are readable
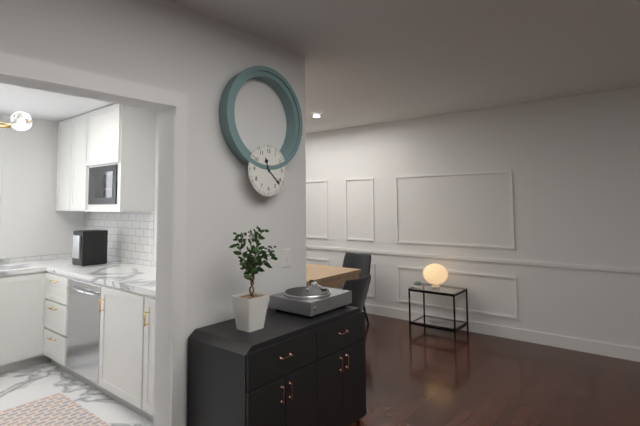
h=11 m=22
